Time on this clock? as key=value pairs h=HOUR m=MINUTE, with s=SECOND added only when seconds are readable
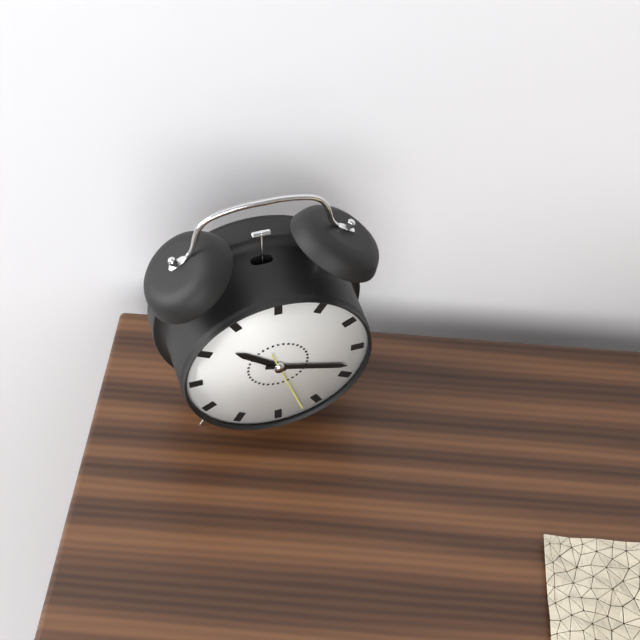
h=10 m=18 s=27
